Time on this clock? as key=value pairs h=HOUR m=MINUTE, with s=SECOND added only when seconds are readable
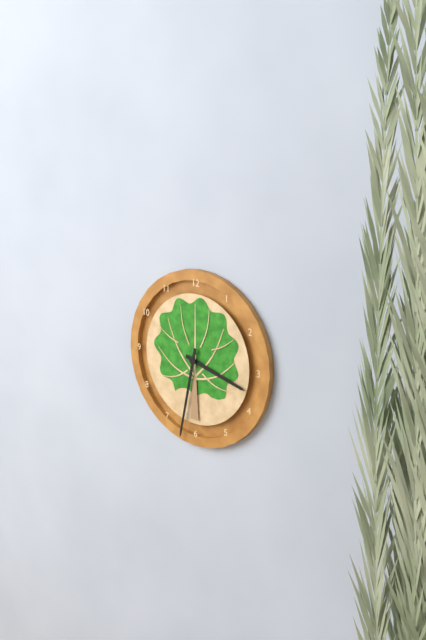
h=3 m=32
